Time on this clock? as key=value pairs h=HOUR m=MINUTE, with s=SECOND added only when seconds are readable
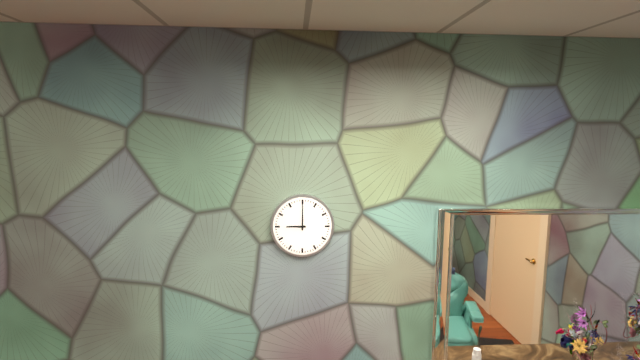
h=9 m=0
